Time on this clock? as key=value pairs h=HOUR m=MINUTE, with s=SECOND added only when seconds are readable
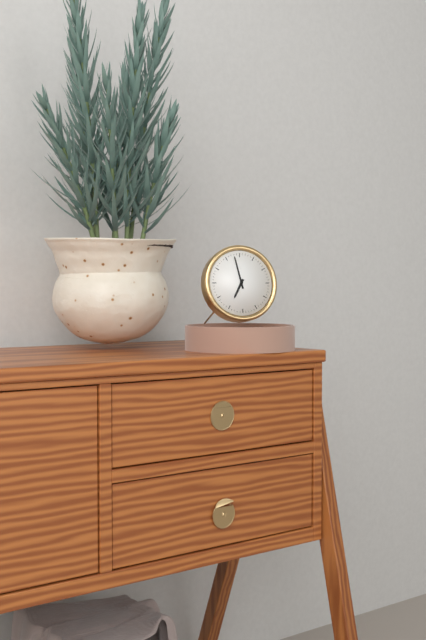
h=6 m=58
